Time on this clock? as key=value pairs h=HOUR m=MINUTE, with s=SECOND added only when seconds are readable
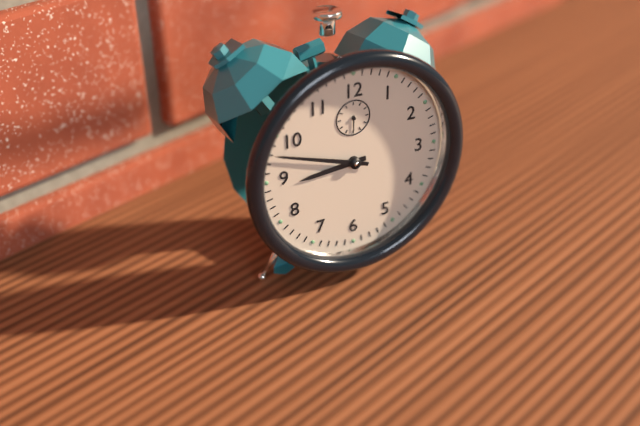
h=8 m=48
